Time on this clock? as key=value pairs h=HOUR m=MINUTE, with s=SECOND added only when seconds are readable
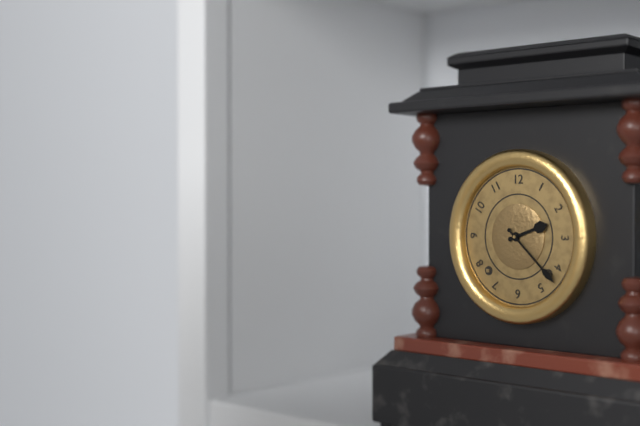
h=2 m=22
